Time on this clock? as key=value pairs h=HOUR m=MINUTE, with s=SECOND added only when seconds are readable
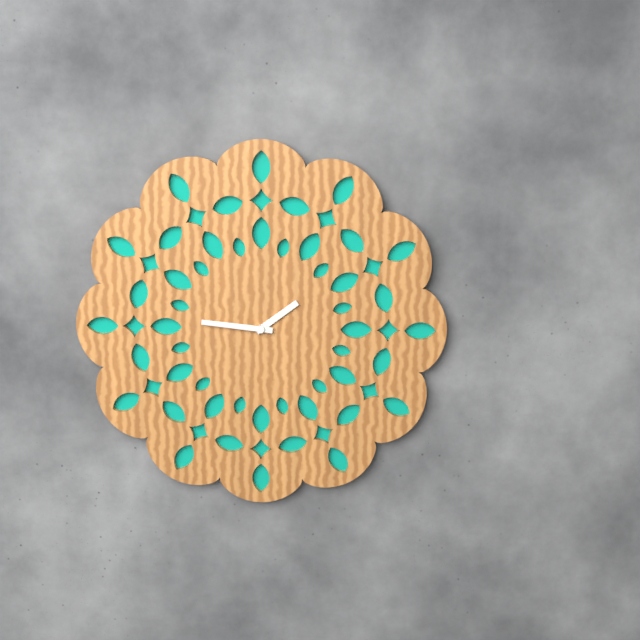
h=1 m=46
